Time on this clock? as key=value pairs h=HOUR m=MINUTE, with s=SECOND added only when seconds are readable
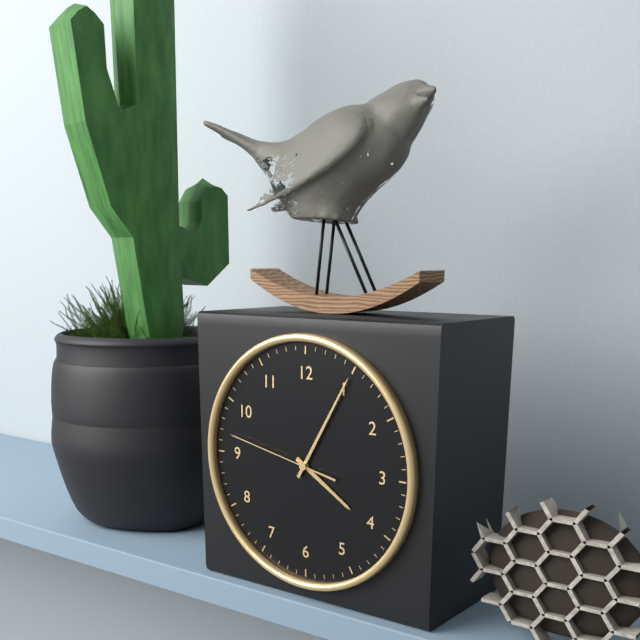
h=4 m=5 s=47
